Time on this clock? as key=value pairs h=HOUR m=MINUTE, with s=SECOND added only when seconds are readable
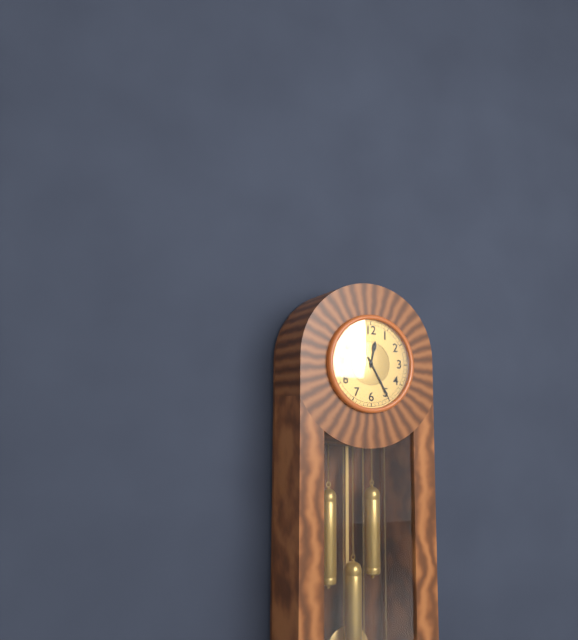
h=12 m=25
